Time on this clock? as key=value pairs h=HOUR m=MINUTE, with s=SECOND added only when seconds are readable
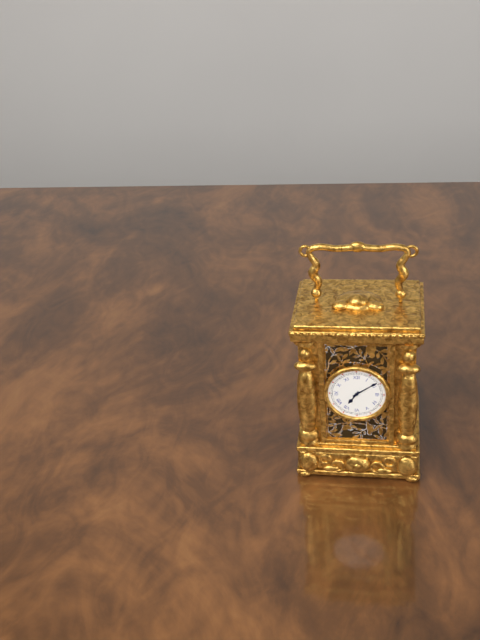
h=7 m=9
